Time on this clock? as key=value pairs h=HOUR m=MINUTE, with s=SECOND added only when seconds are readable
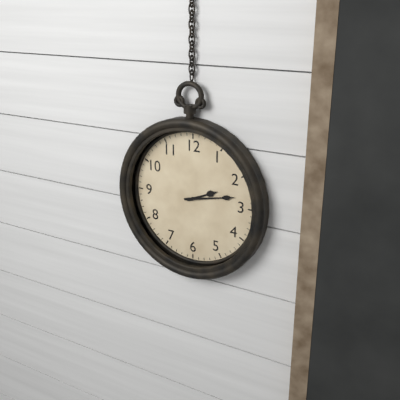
h=2 m=13
